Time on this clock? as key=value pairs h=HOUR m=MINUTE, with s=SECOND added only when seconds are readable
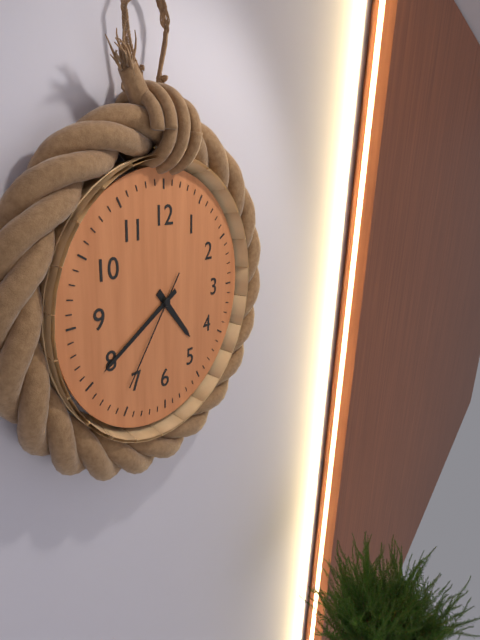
h=4 m=40 s=36
